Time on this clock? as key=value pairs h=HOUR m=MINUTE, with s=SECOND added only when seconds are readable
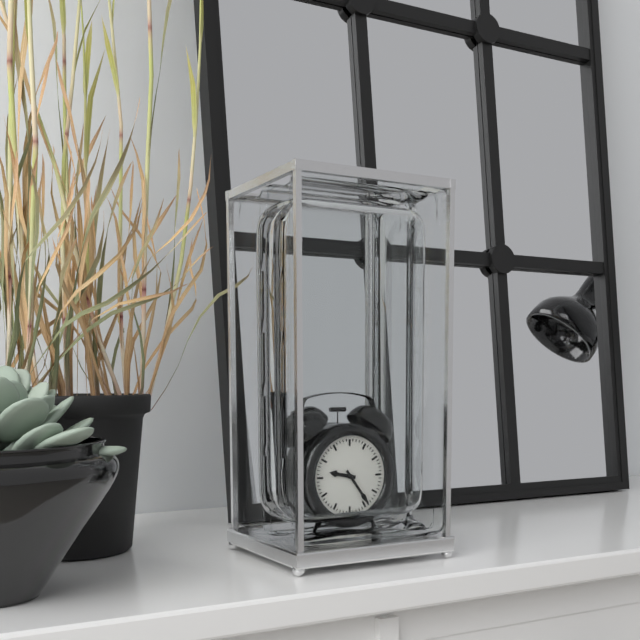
h=9 m=24
